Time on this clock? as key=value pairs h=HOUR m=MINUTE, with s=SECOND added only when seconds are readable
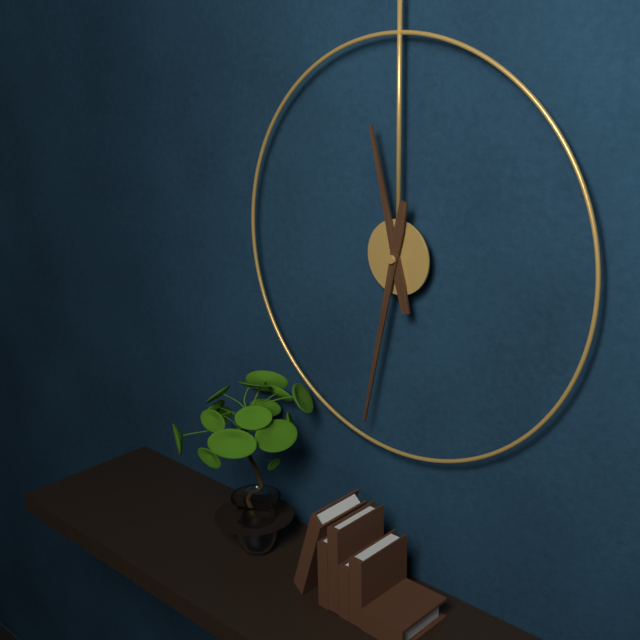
h=11 m=32
